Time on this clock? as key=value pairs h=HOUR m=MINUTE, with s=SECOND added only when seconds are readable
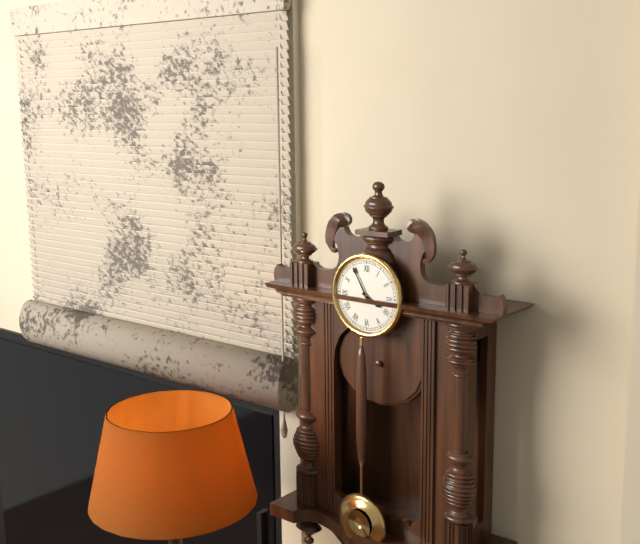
h=3 m=55
